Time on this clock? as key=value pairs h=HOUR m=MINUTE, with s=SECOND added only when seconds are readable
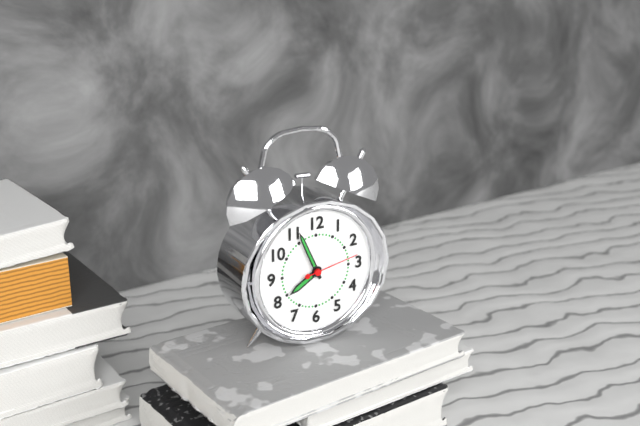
h=7 m=56 s=13
